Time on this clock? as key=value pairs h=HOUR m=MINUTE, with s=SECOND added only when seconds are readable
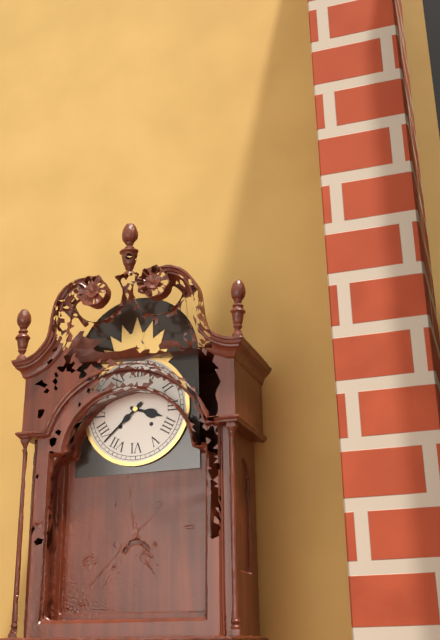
h=3 m=38
